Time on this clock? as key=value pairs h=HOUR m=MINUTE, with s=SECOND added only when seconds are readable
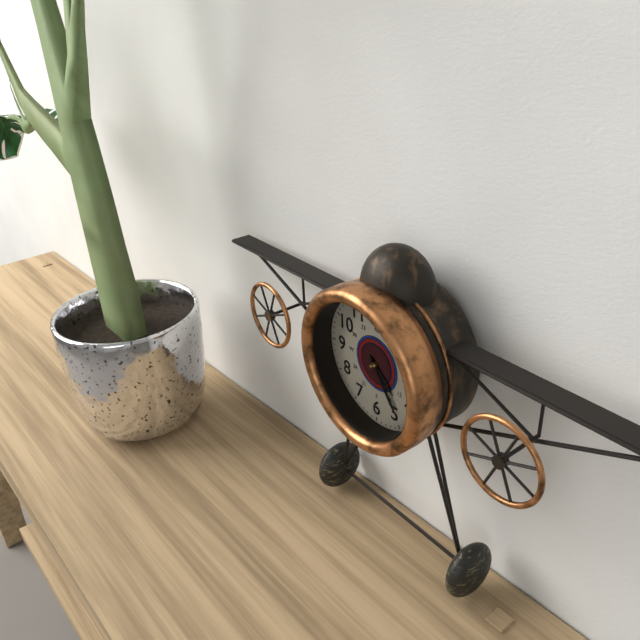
h=4 m=24
